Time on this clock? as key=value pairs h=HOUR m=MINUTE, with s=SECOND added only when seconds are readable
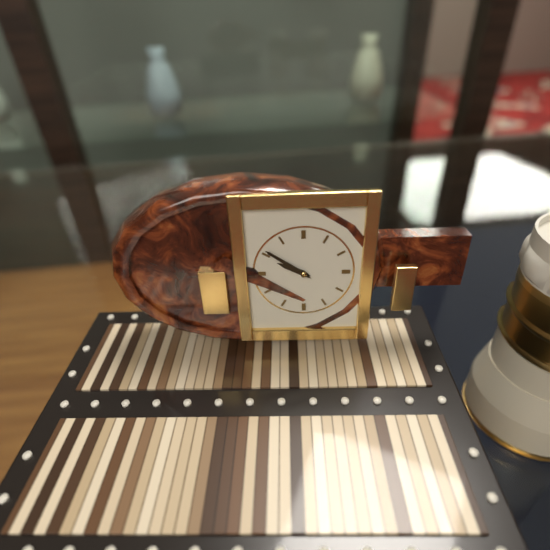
h=9 m=51
